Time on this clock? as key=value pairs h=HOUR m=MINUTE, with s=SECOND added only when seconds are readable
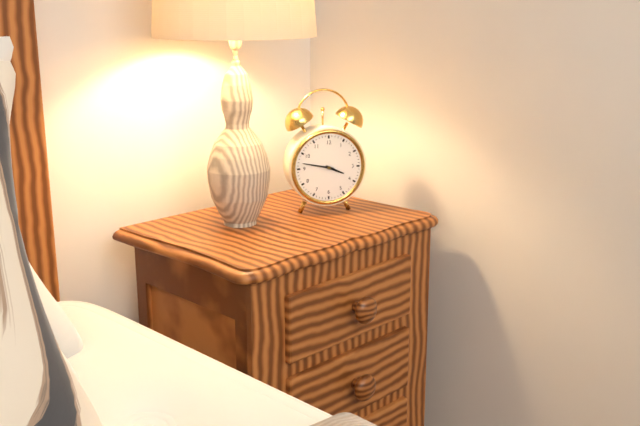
h=3 m=47
